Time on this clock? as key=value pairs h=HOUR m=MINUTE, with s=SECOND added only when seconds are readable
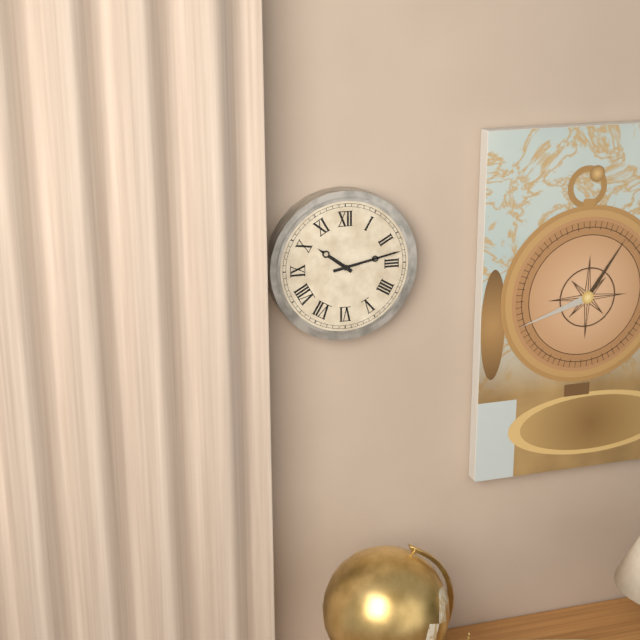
h=10 m=13
